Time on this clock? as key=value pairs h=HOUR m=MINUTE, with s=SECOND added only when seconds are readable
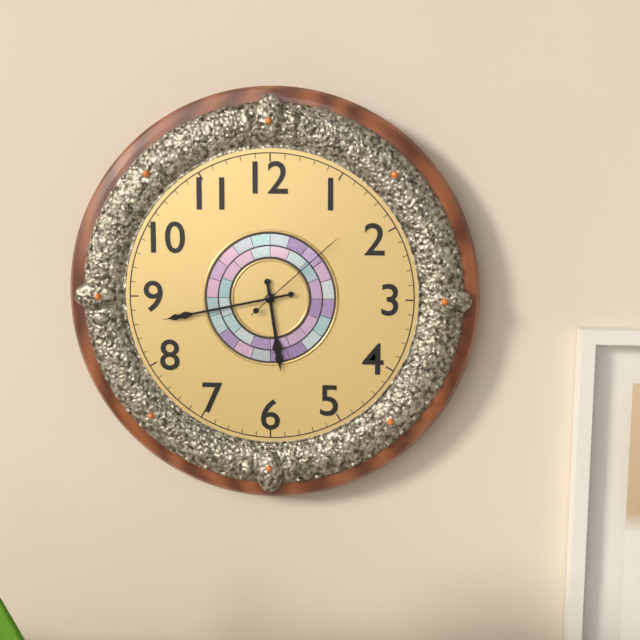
h=5 m=43 s=8
